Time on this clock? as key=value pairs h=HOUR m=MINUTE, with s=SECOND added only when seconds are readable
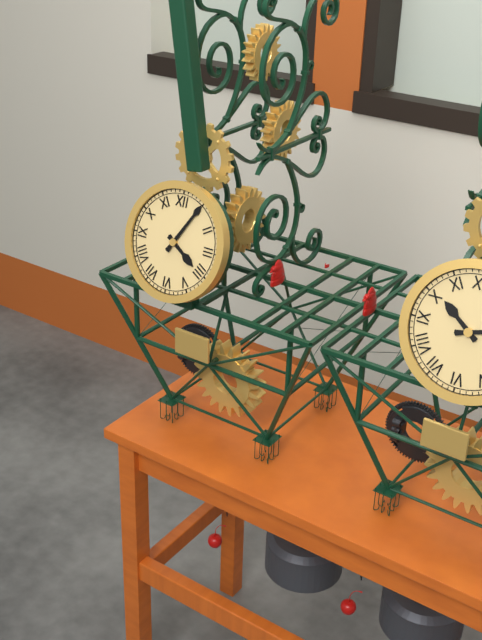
h=4 m=5
